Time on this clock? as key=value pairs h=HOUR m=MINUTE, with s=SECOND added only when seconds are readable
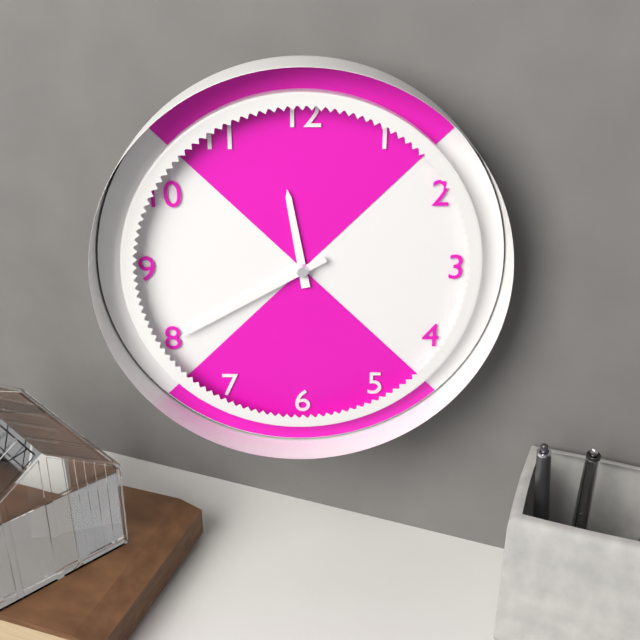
h=11 m=40
